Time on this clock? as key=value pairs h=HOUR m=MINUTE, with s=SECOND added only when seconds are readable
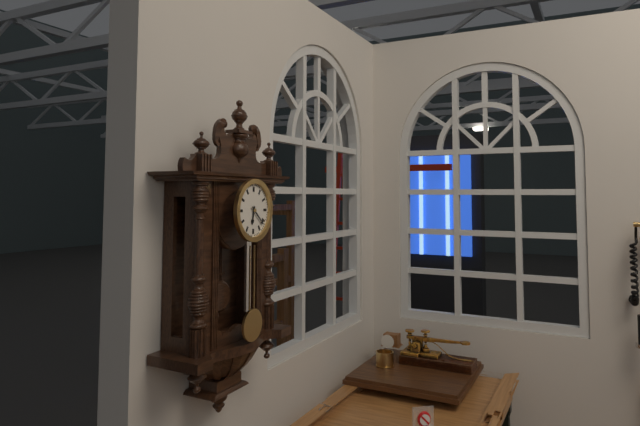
h=6 m=22
